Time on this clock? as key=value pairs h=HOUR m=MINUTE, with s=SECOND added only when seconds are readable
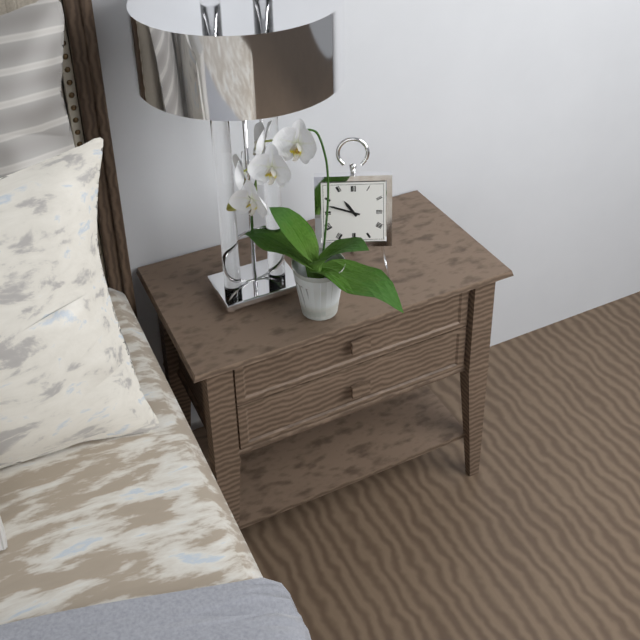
h=10 m=48
